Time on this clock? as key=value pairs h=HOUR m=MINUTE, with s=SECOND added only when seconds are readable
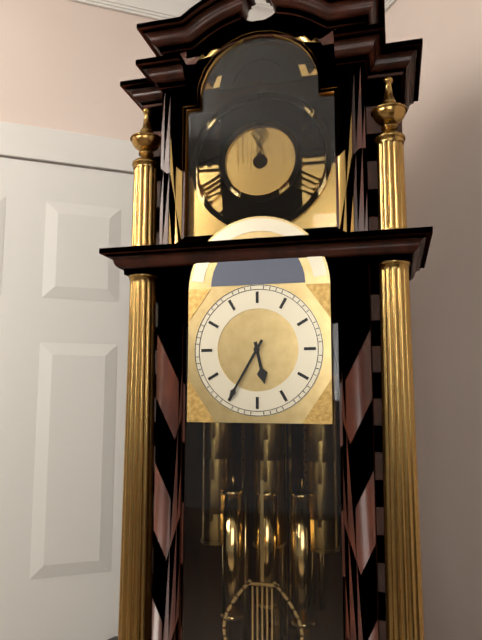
h=5 m=35
